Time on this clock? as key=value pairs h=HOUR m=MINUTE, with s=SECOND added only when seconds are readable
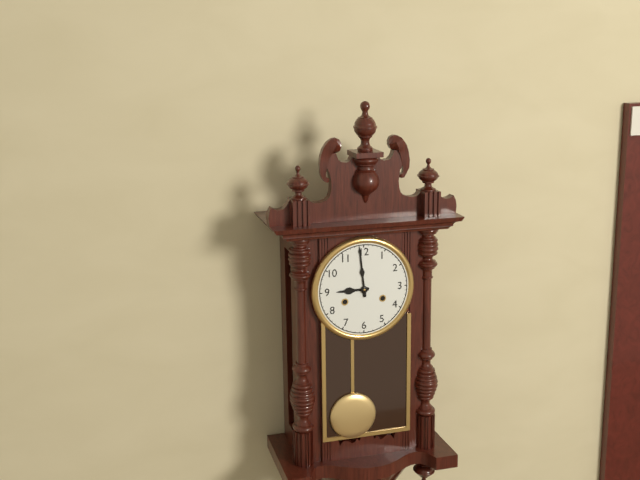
h=8 m=59
